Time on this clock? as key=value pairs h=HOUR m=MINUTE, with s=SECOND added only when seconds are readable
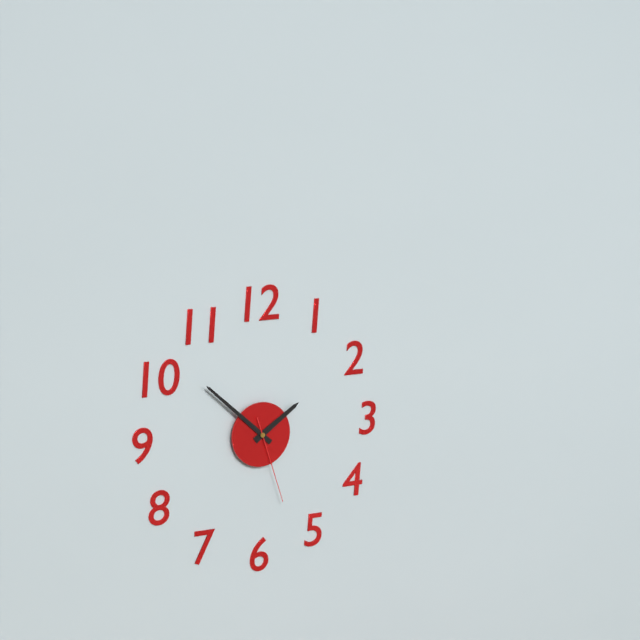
h=1 m=52 s=27
